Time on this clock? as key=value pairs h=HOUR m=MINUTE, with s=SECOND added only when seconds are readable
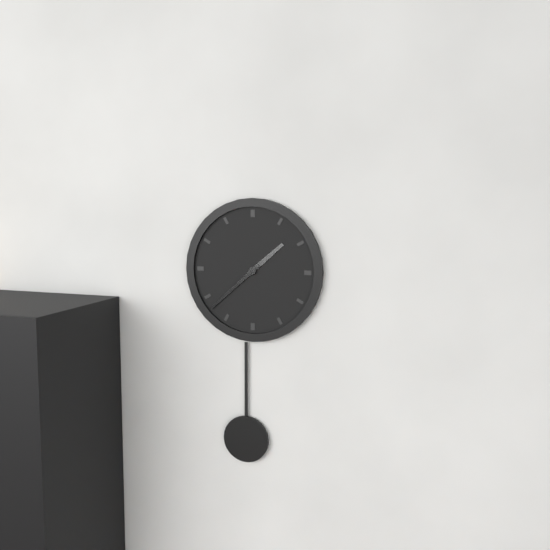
h=1 m=38
